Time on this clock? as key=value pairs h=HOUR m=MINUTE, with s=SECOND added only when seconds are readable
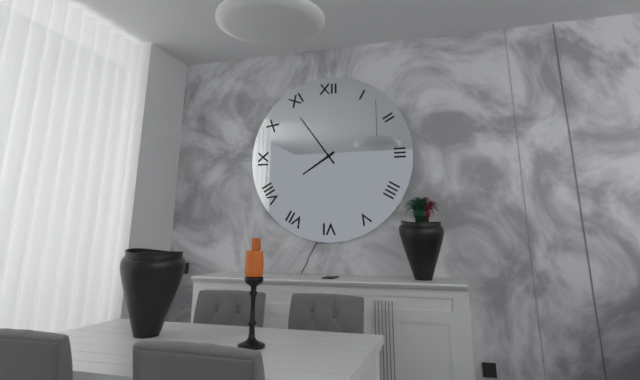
h=7 m=54
